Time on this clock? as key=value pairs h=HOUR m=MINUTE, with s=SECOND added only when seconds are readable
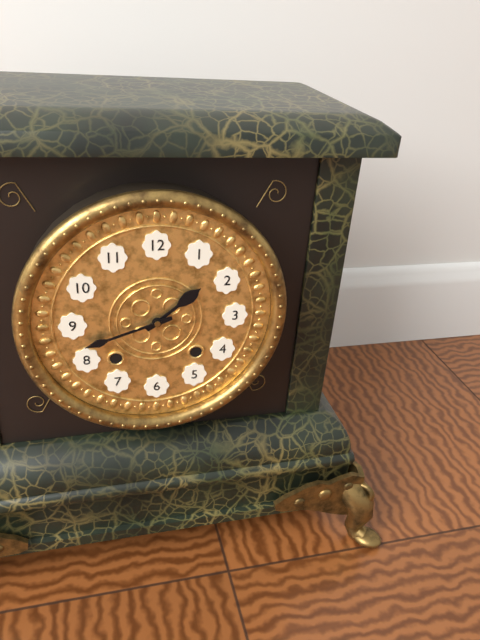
h=1 m=42
